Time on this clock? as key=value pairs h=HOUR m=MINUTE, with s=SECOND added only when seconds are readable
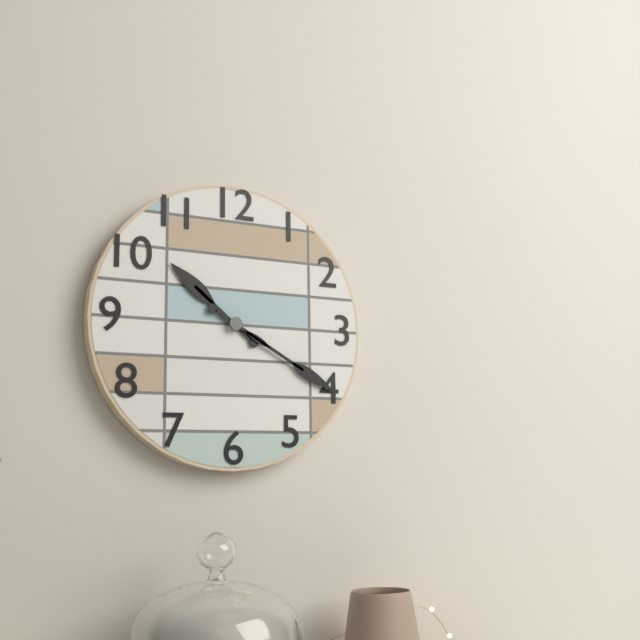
h=10 m=20
